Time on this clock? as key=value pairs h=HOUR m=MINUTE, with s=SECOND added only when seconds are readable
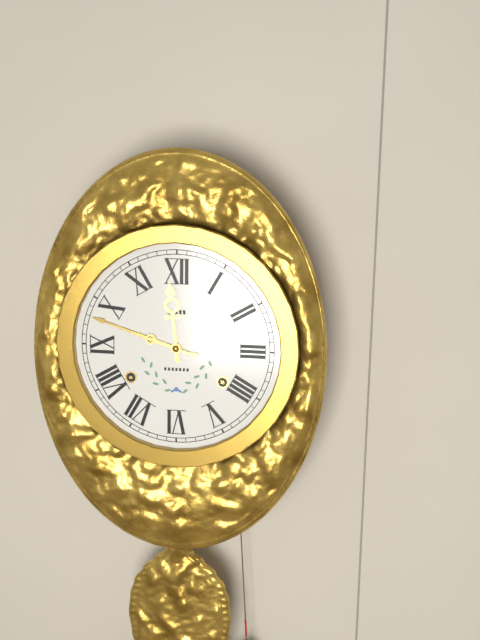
h=11 m=48
